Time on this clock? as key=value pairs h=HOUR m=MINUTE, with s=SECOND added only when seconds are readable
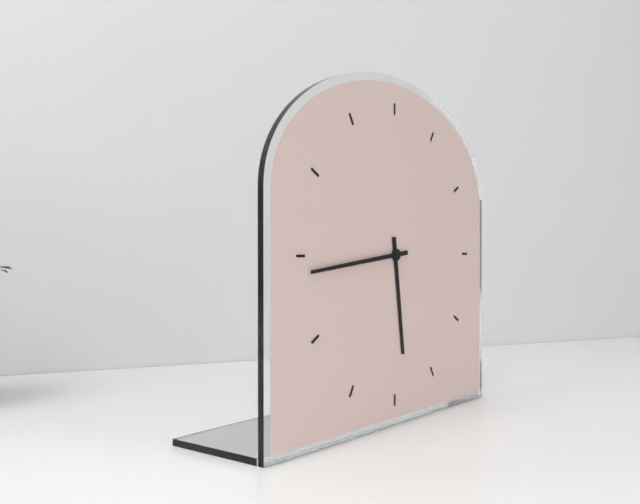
h=5 m=44
